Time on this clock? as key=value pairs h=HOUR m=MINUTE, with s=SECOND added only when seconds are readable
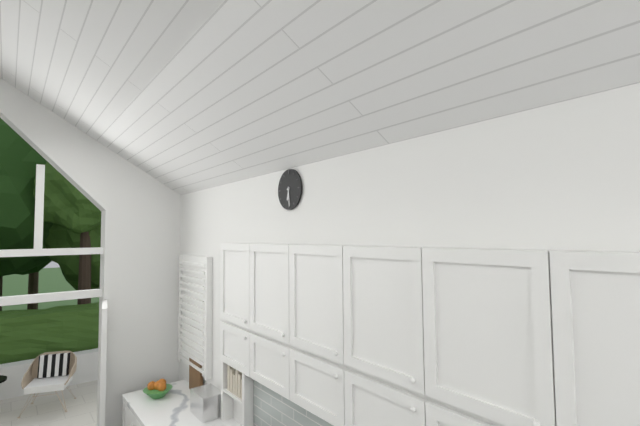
h=6 m=29
